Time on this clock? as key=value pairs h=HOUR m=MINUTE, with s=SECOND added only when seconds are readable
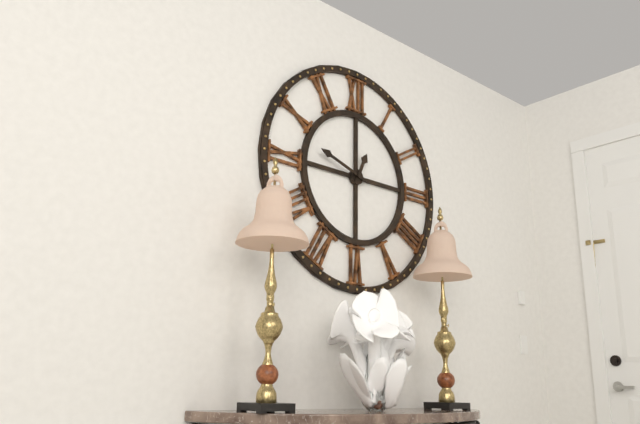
h=12 m=48
